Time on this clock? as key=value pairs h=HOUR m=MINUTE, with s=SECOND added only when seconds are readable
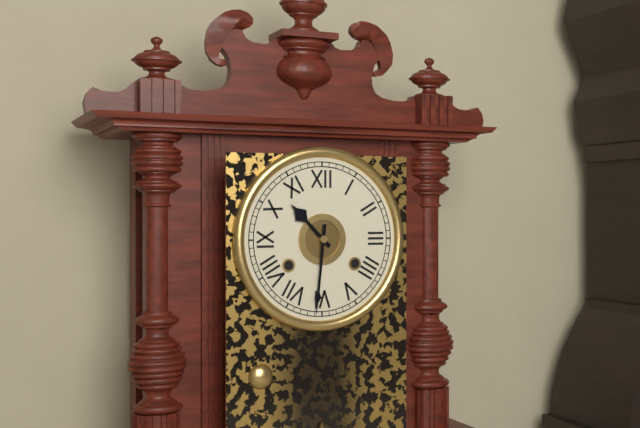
h=10 m=31
